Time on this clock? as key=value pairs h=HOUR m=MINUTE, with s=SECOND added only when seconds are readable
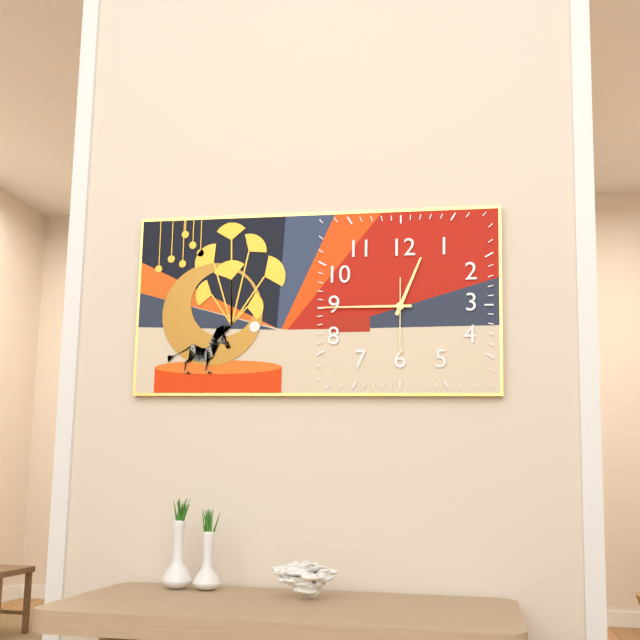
h=12 m=45 s=30
